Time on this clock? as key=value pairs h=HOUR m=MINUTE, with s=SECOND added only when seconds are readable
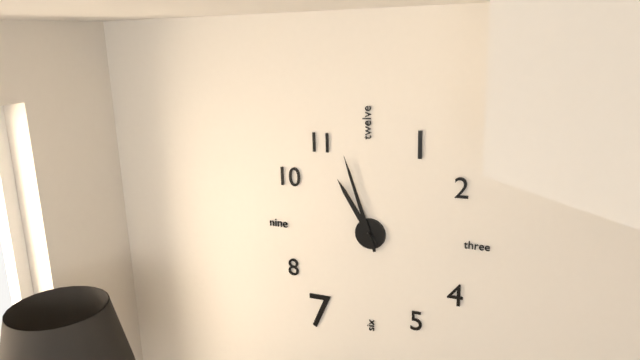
h=10 m=57
